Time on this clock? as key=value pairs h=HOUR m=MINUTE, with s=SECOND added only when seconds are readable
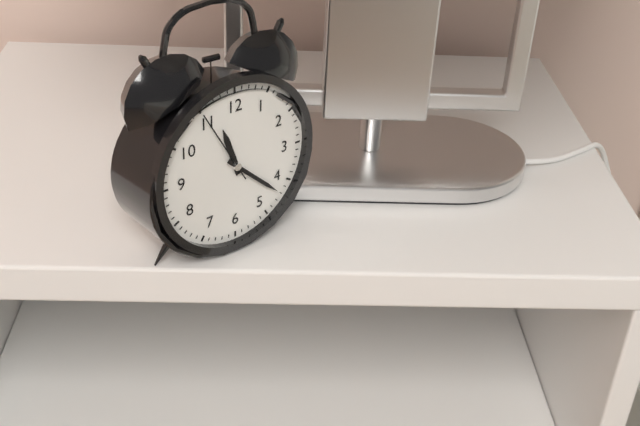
h=11 m=22 s=55
